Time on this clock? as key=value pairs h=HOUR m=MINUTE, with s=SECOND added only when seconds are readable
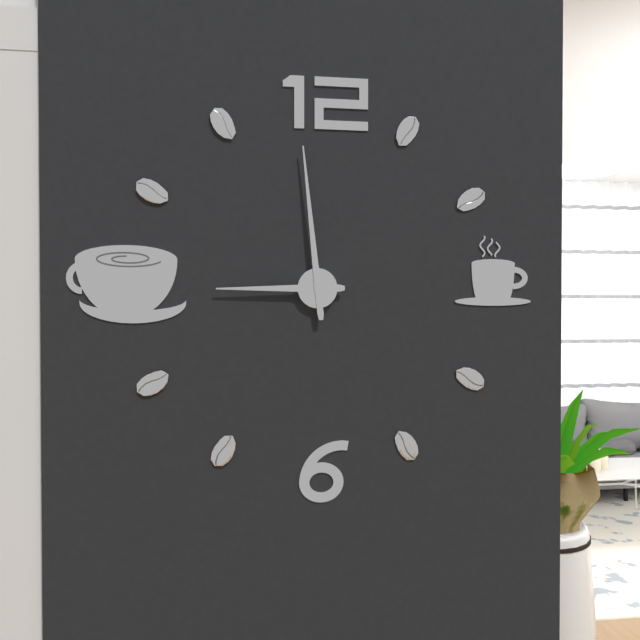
h=8 m=59
